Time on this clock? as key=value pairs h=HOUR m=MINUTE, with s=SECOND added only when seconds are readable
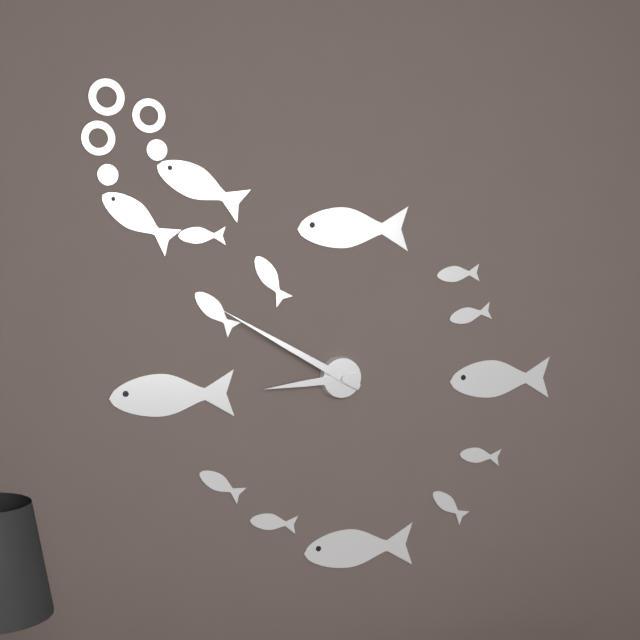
h=8 m=50
